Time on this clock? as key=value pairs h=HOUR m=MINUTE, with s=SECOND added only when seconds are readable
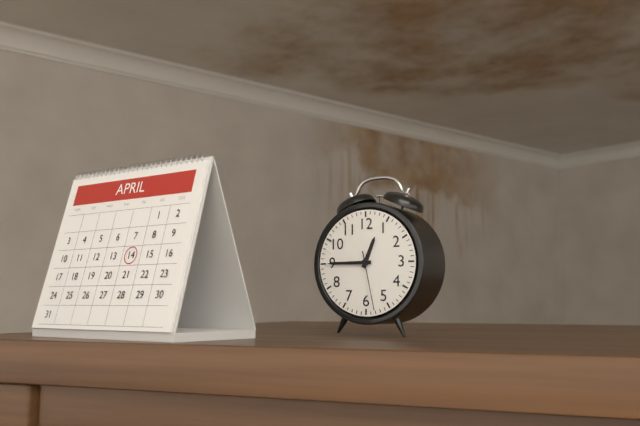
h=12 m=45 s=28
